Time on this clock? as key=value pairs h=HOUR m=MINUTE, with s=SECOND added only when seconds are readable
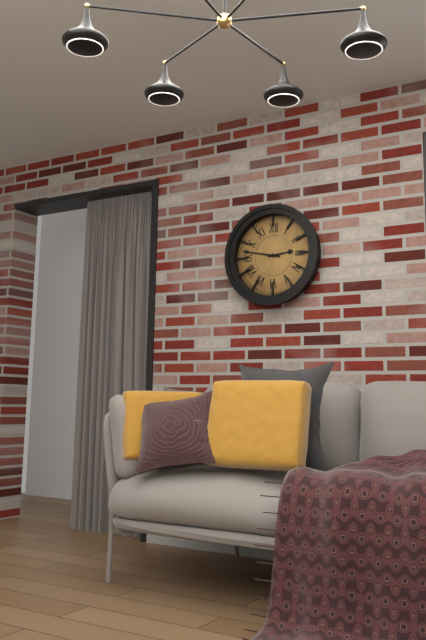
h=2 m=47
